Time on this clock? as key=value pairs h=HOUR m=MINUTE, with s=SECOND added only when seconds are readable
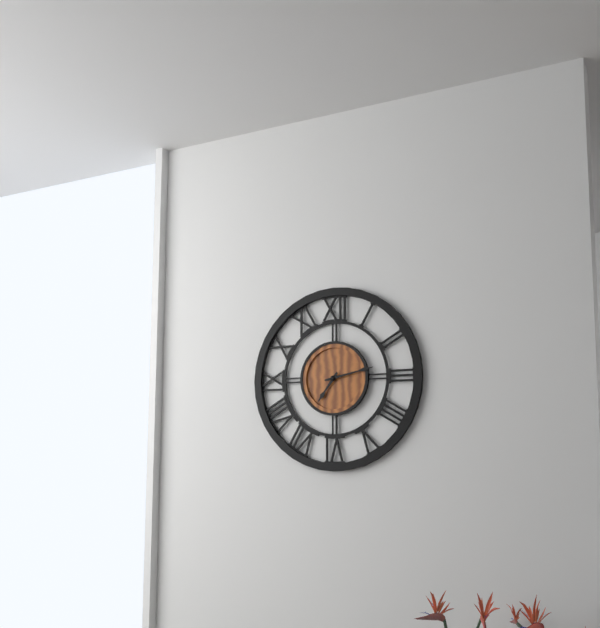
h=7 m=13
